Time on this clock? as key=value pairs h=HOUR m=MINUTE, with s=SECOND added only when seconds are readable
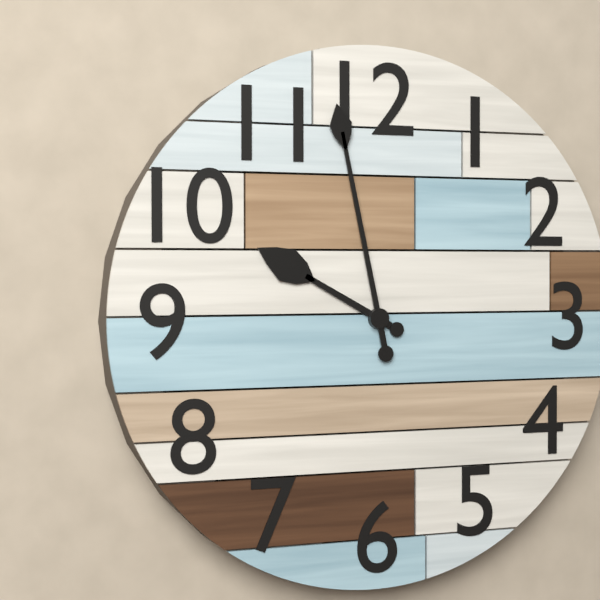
h=9 m=58
